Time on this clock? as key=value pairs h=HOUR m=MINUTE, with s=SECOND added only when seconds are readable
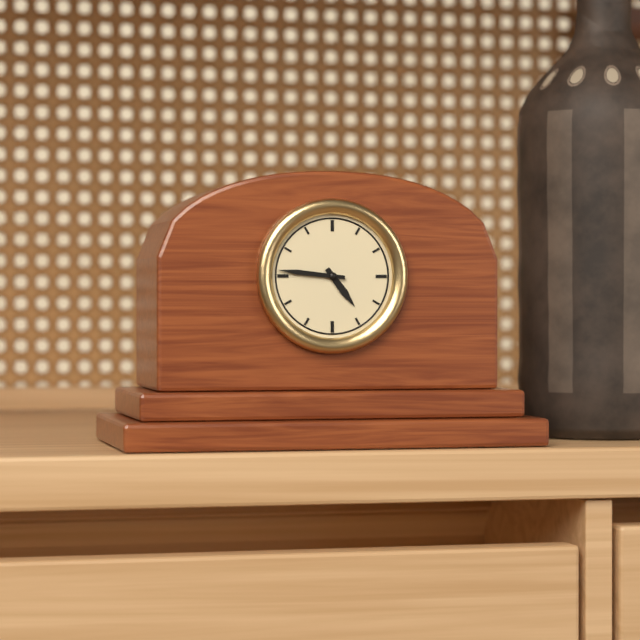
h=4 m=46
